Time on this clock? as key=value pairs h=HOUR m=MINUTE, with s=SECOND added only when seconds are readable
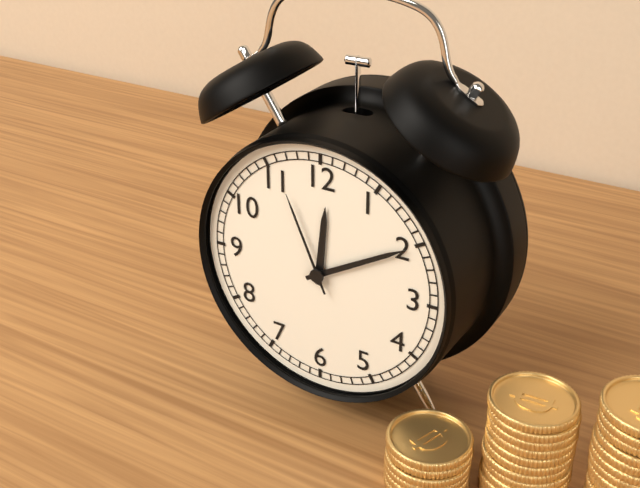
h=12 m=10 s=56
